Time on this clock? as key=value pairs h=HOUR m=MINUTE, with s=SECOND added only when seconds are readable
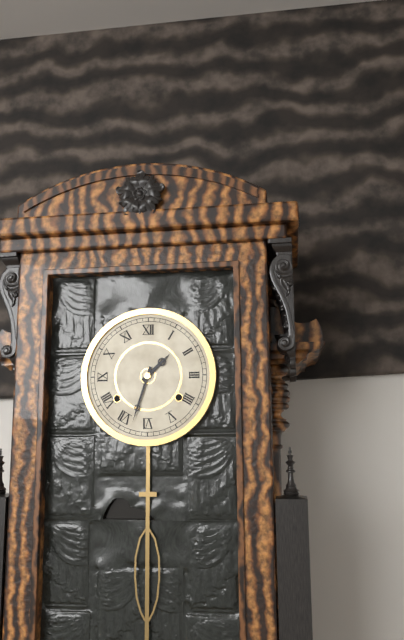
h=1 m=33
